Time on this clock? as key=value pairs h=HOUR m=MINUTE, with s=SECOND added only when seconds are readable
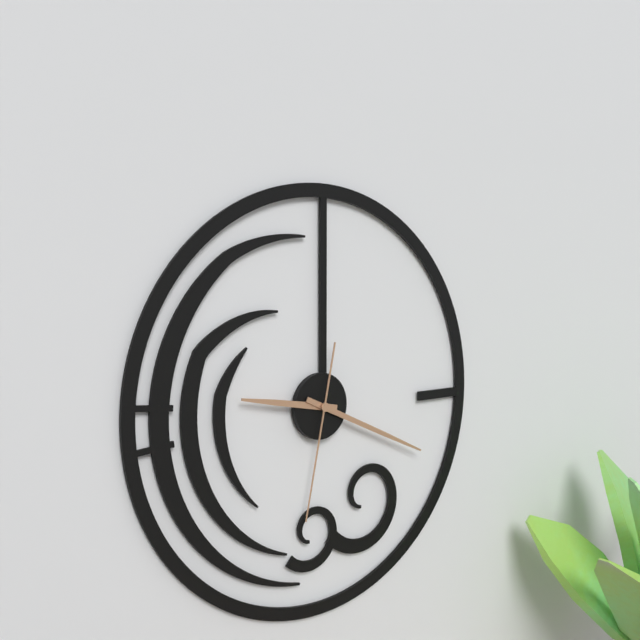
h=9 m=19 s=32
